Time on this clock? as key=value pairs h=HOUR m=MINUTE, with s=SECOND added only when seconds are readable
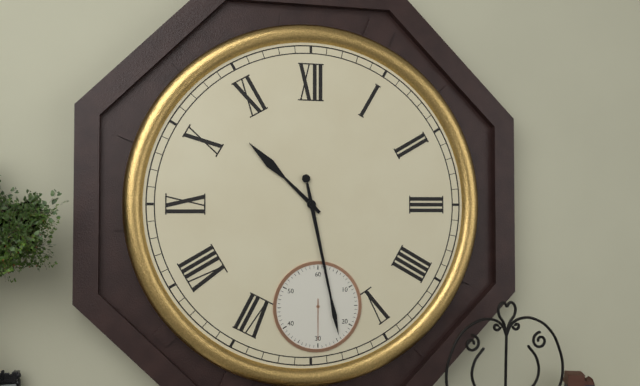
h=10 m=28
